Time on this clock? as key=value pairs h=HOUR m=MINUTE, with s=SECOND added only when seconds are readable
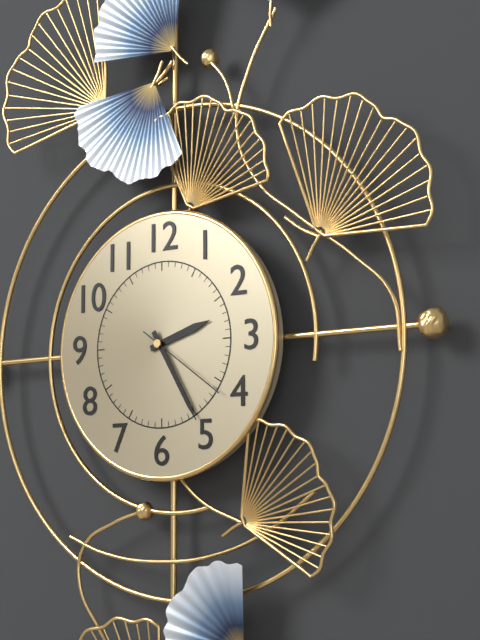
h=2 m=25 s=21
